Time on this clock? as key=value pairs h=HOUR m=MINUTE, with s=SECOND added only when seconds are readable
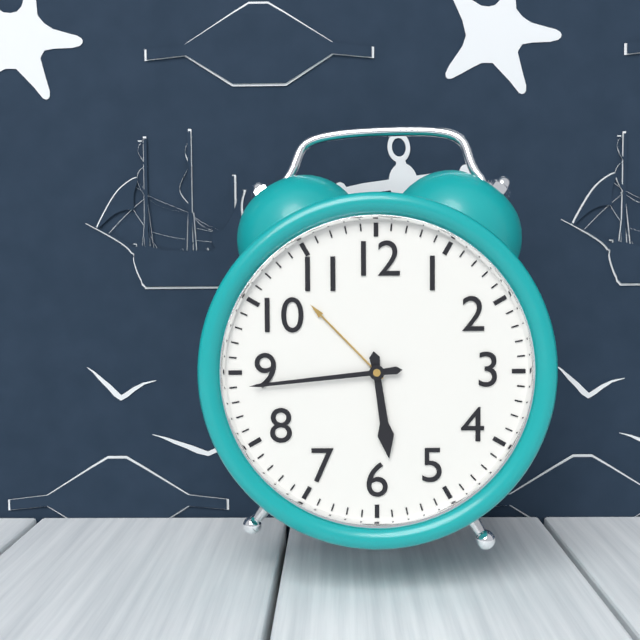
h=5 m=44
